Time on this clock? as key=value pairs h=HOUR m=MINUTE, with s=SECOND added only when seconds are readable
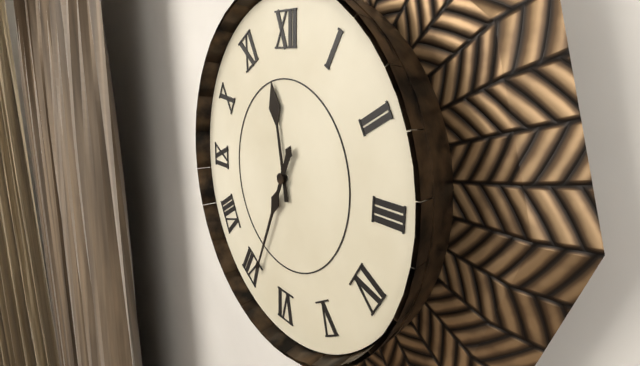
h=11 m=34
